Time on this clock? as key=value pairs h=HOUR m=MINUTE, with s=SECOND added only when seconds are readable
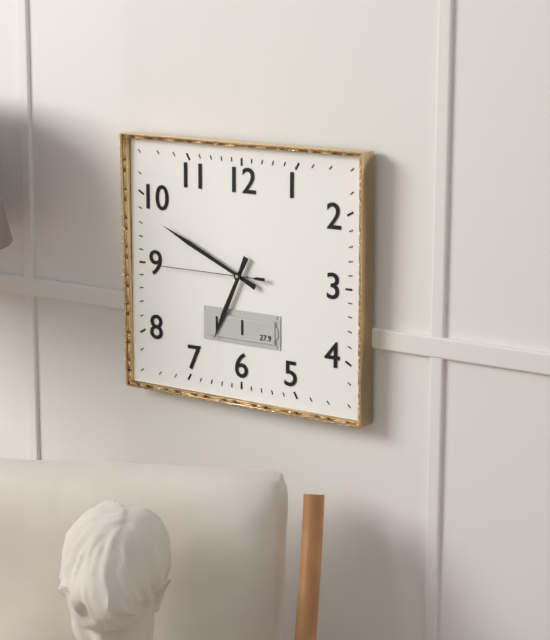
h=6 m=49 s=45
